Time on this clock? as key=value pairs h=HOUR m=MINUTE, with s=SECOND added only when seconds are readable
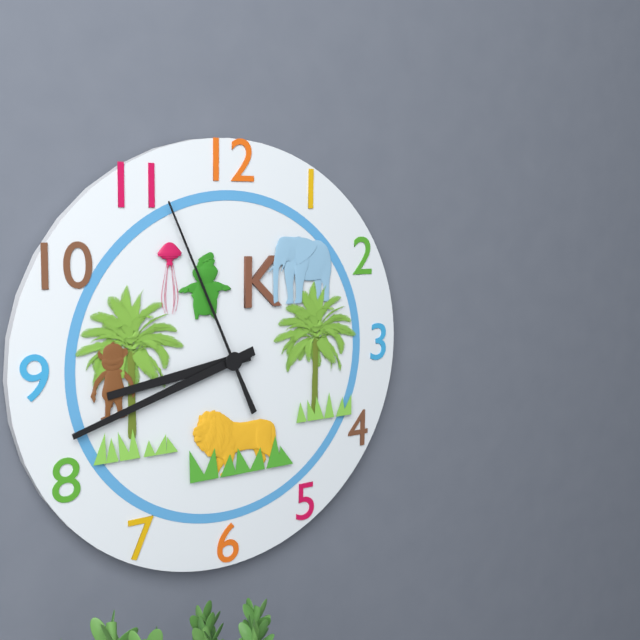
h=8 m=42 s=56
